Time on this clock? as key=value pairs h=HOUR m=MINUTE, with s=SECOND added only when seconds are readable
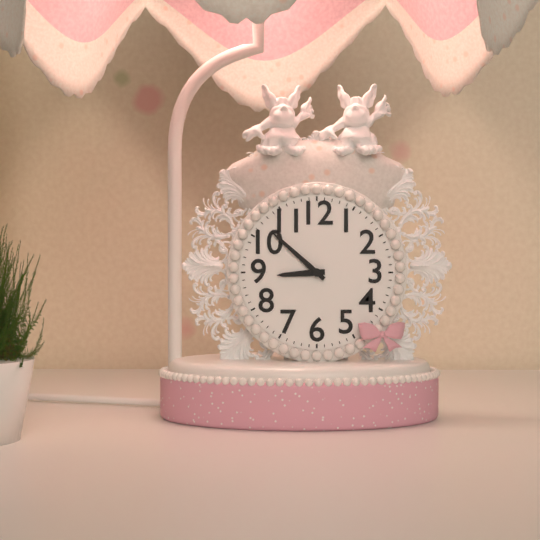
h=8 m=52
